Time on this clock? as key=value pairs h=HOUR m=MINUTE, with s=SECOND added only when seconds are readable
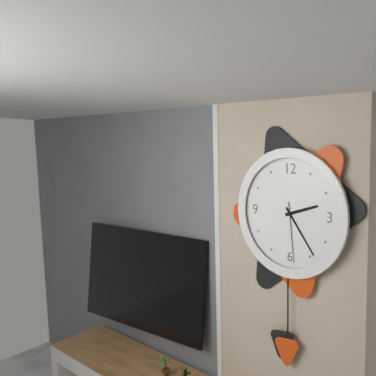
h=2 m=24 s=29
